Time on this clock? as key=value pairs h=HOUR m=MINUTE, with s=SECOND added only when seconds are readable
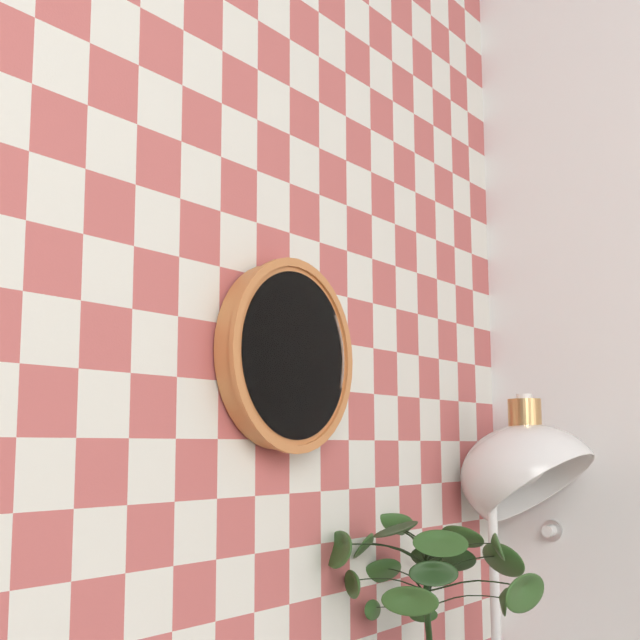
h=7 m=52
